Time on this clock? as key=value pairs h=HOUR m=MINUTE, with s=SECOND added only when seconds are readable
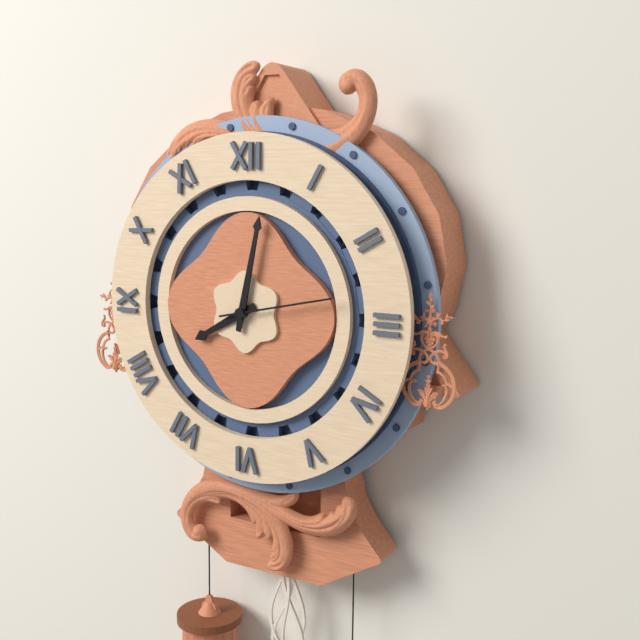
h=8 m=2 s=13
